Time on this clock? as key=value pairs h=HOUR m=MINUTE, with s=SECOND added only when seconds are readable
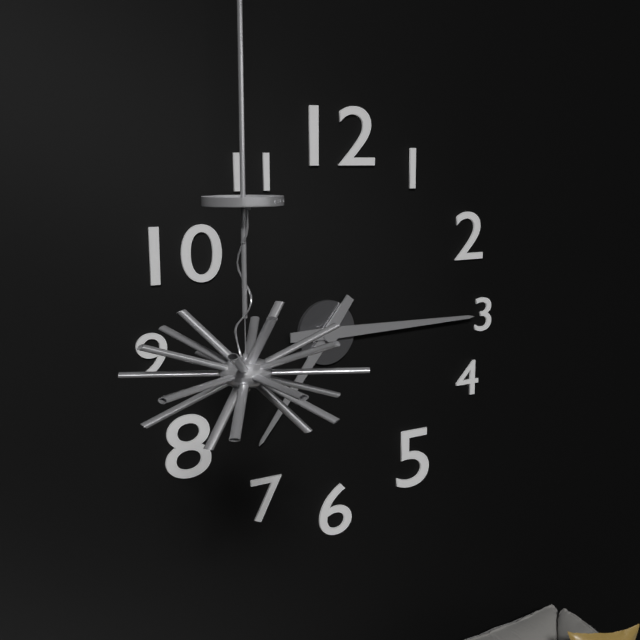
h=7 m=15
